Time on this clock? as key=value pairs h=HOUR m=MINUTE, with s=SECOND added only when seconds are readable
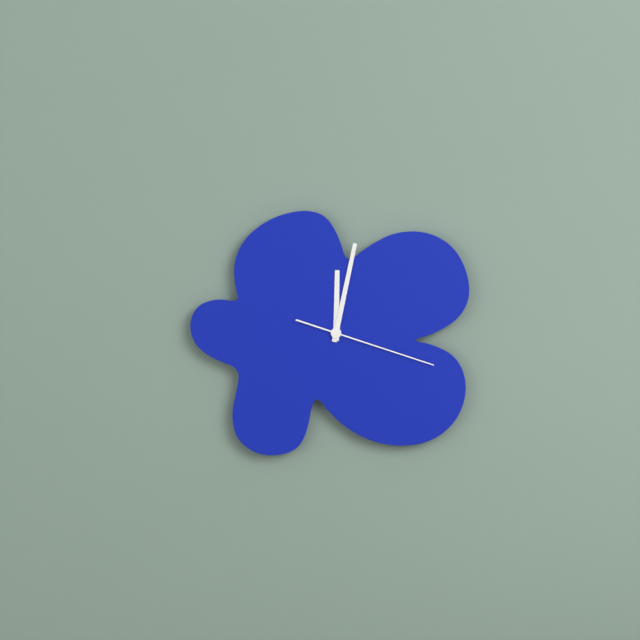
h=12 m=2 s=18
